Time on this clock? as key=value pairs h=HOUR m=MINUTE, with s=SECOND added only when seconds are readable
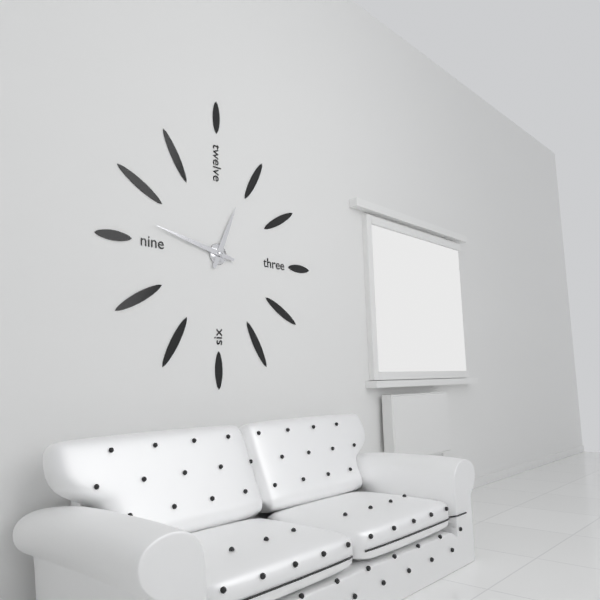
h=12 m=47
